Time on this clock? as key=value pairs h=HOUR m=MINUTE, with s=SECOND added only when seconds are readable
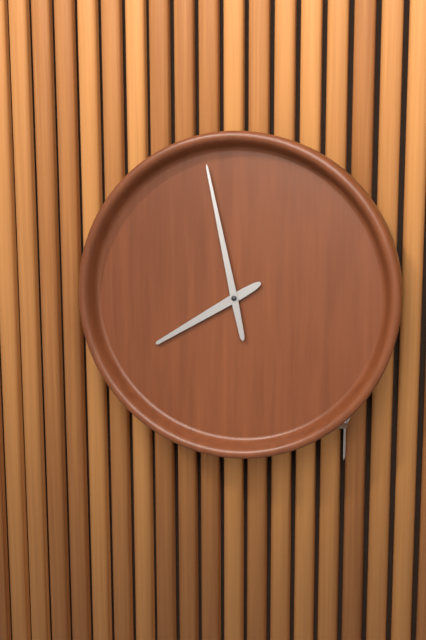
h=7 m=58
